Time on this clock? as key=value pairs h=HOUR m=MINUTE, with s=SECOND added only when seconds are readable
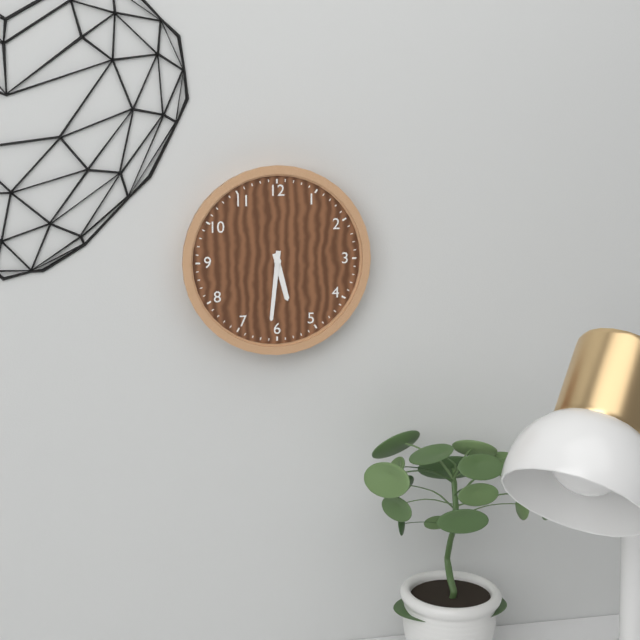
h=5 m=31
